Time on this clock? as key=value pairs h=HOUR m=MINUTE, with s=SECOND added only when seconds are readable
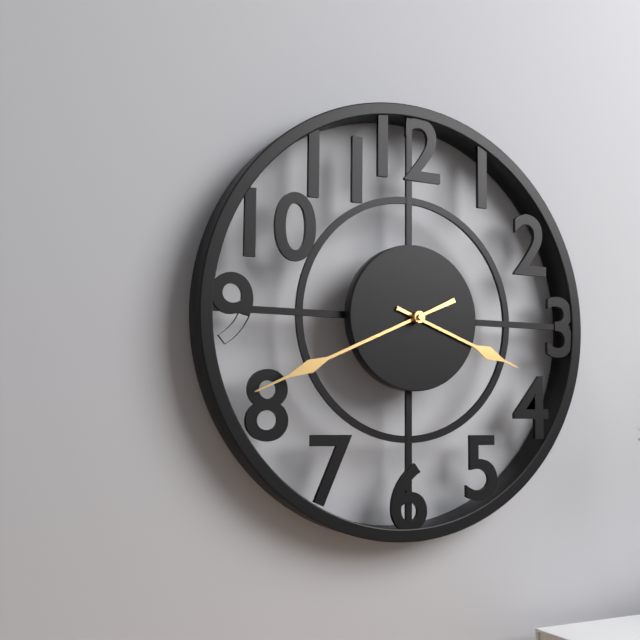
h=3 m=41
